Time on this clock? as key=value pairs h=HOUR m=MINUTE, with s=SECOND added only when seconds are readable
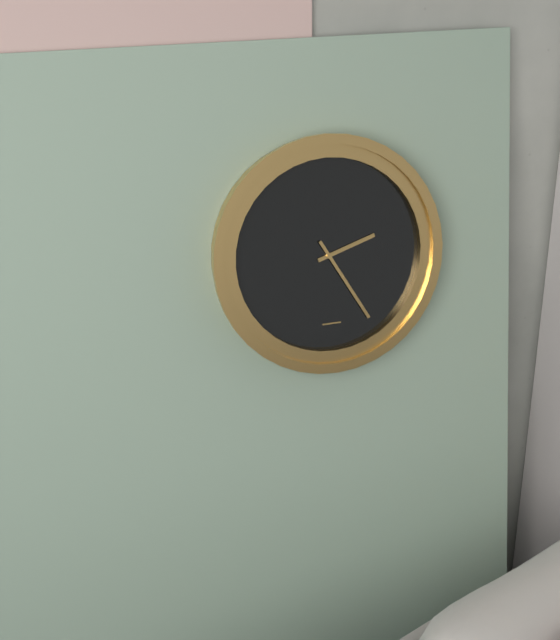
h=2 m=25
